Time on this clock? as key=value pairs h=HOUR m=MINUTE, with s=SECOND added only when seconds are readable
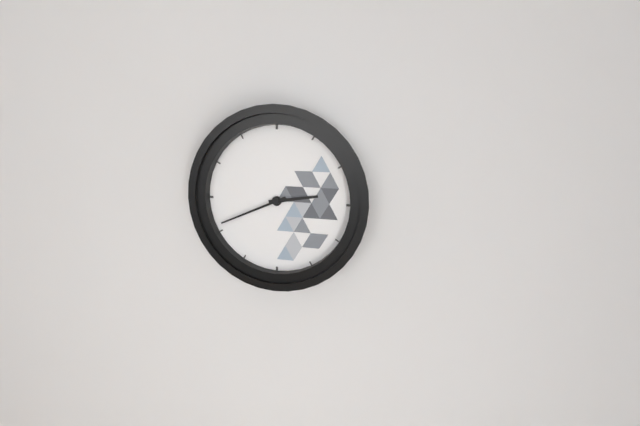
h=2 m=41
